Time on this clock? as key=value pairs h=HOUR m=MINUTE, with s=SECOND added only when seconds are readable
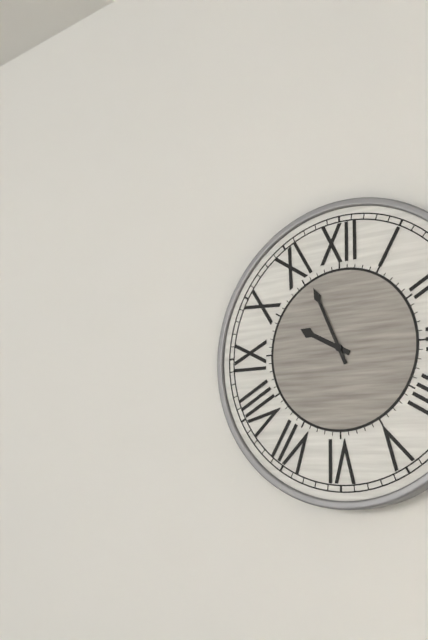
h=9 m=56
